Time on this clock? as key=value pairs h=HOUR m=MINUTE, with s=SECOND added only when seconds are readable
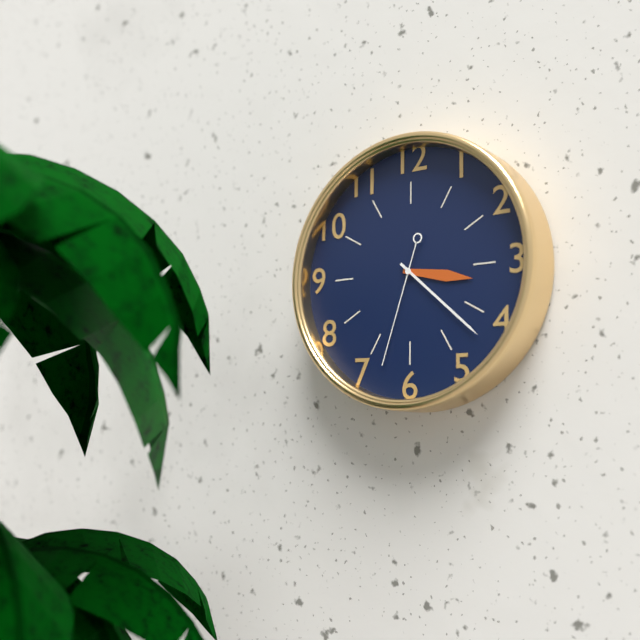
h=3 m=22 s=33
